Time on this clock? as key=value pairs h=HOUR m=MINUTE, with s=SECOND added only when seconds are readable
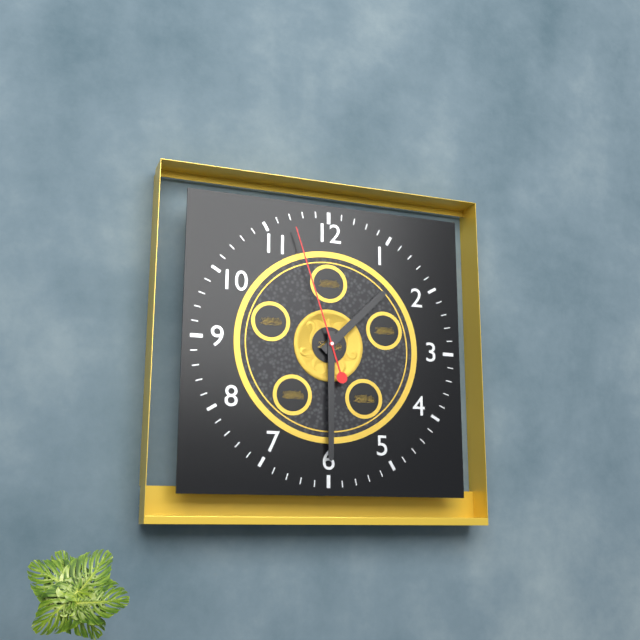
h=1 m=30 s=57
